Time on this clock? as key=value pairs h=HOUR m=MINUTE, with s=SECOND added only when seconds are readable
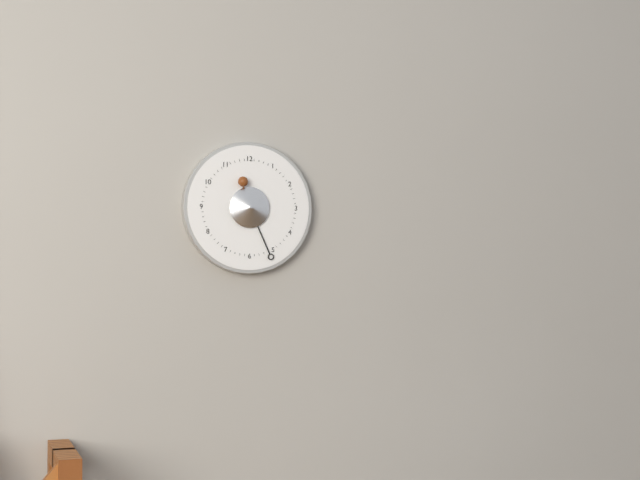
h=11 m=26
